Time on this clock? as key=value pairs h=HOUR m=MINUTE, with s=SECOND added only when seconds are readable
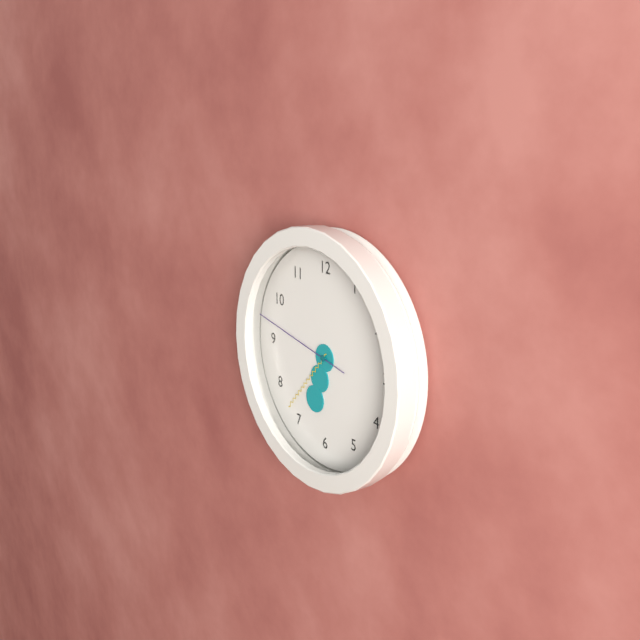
h=6 m=37 s=47
